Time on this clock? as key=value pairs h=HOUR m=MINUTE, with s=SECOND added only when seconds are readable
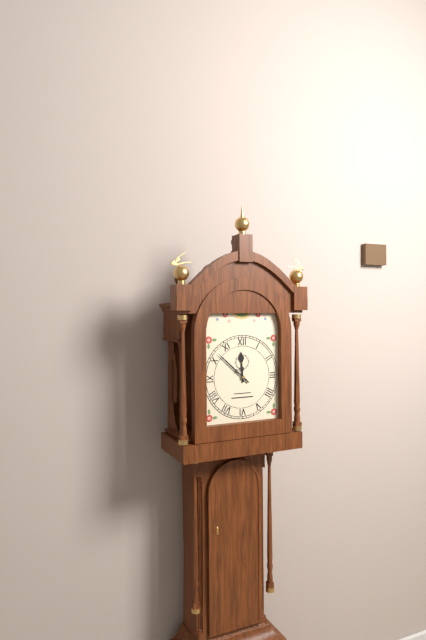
h=11 m=52
